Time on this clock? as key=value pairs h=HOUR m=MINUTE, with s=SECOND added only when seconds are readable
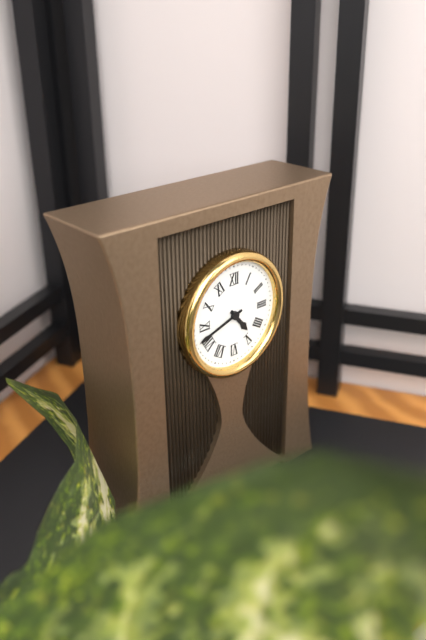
h=4 m=42
